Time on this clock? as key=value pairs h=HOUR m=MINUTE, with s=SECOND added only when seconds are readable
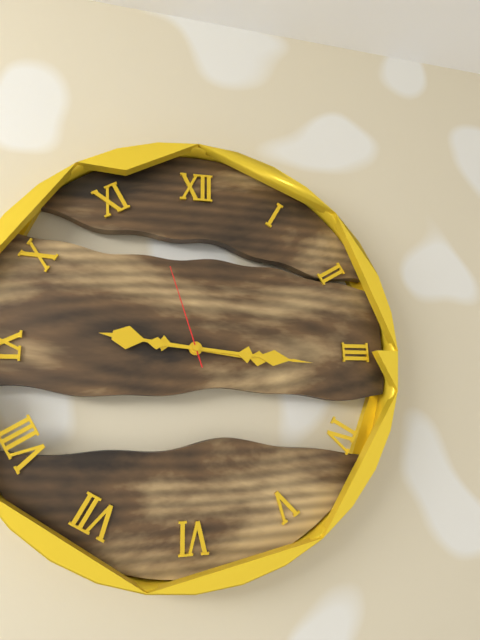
h=9 m=16 s=57
